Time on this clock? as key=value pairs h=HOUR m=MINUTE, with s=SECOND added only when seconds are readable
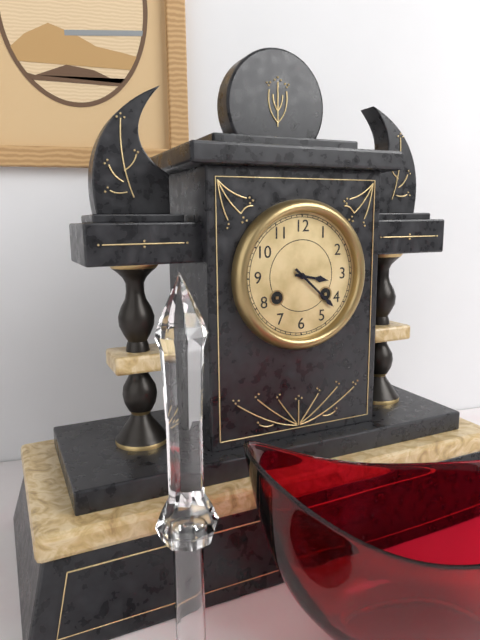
h=3 m=22
